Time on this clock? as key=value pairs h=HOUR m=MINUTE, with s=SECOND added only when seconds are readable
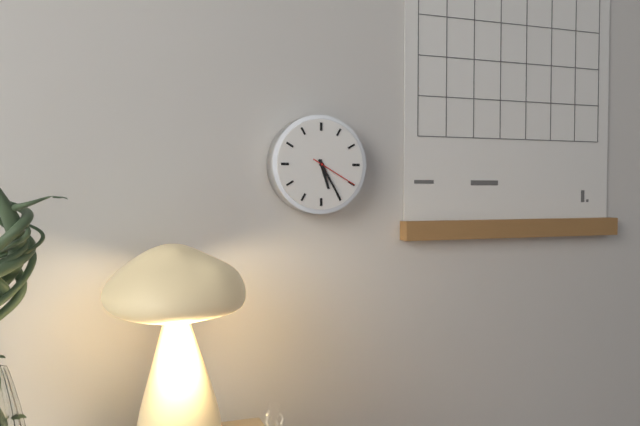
h=5 m=25
